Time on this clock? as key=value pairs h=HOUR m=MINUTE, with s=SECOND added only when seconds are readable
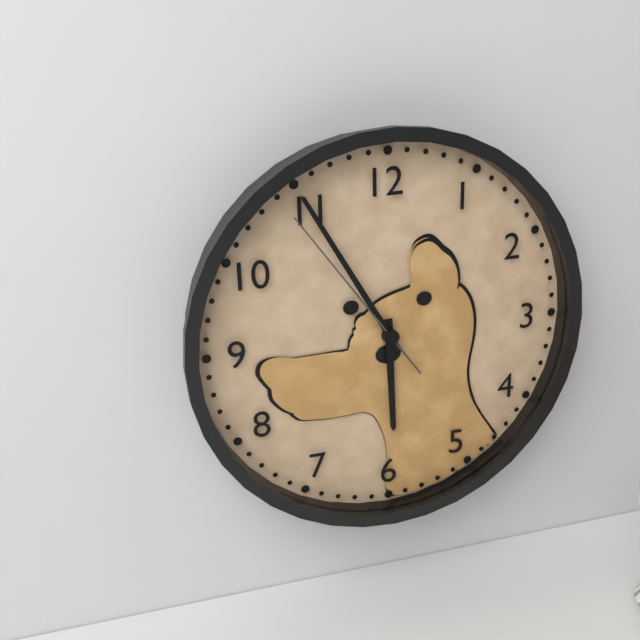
h=5 m=55 s=54
